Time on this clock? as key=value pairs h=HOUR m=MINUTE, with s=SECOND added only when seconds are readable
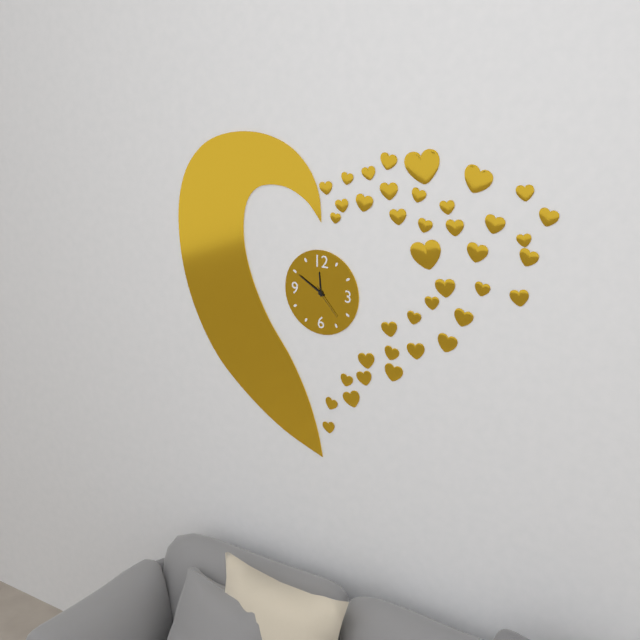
h=11 m=50
